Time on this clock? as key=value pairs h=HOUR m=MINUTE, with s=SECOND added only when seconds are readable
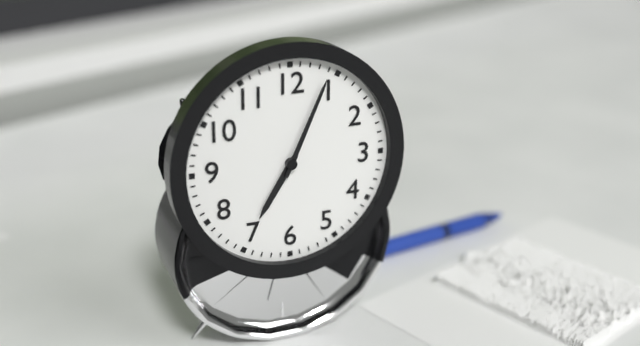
h=7 m=4
